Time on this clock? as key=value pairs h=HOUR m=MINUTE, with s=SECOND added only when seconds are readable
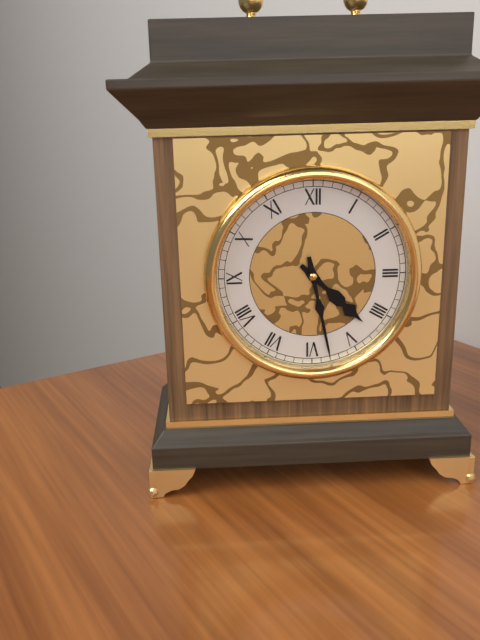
h=4 m=28
